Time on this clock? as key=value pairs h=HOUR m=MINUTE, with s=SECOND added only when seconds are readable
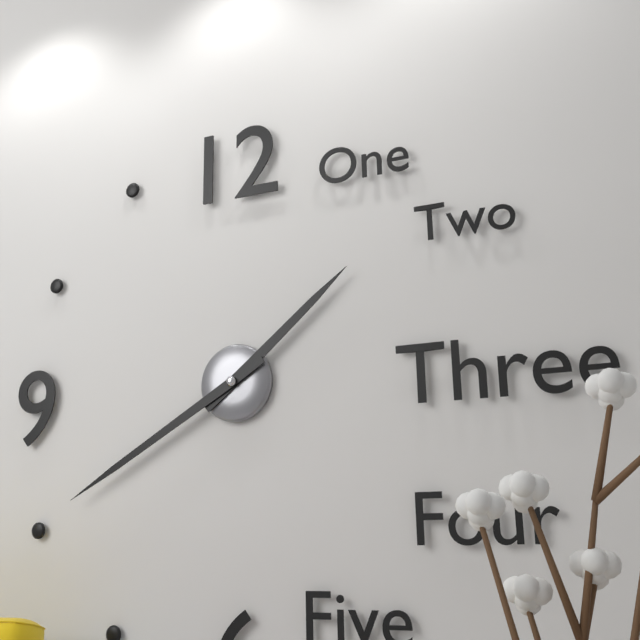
h=1 m=40
